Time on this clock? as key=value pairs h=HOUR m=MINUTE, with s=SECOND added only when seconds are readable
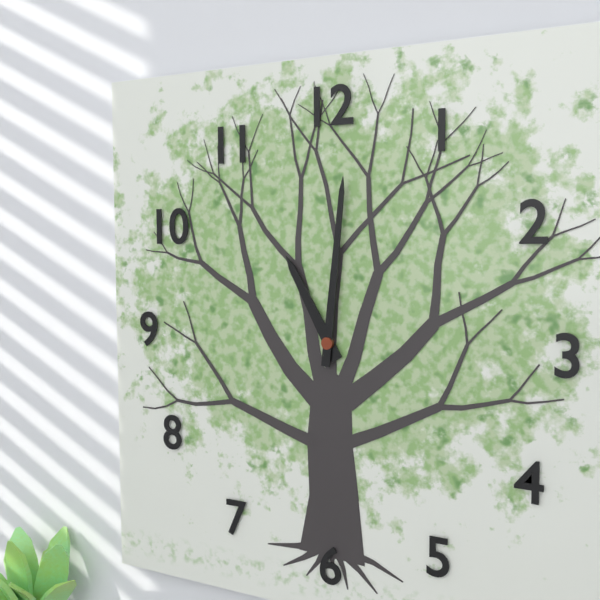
h=11 m=1
